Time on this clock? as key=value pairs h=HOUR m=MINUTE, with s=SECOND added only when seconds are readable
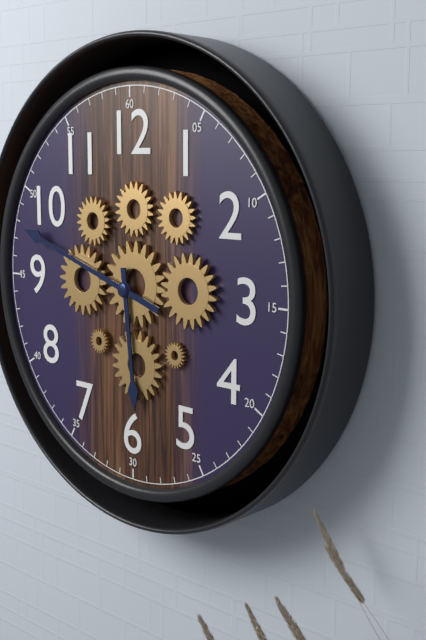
h=5 m=48
